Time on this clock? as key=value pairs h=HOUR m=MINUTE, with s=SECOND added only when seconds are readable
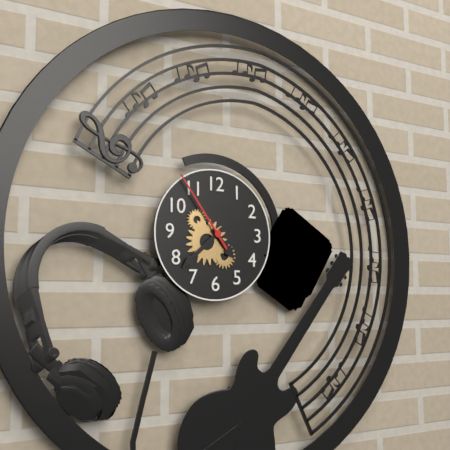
h=4 m=38 s=54
